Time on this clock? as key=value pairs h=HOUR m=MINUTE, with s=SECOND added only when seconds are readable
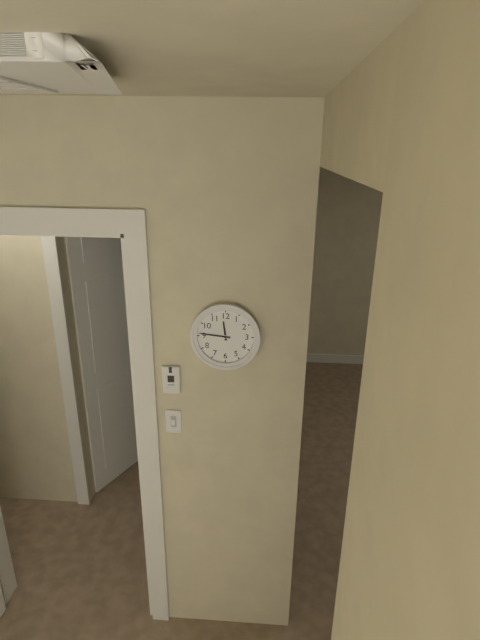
h=11 m=46
